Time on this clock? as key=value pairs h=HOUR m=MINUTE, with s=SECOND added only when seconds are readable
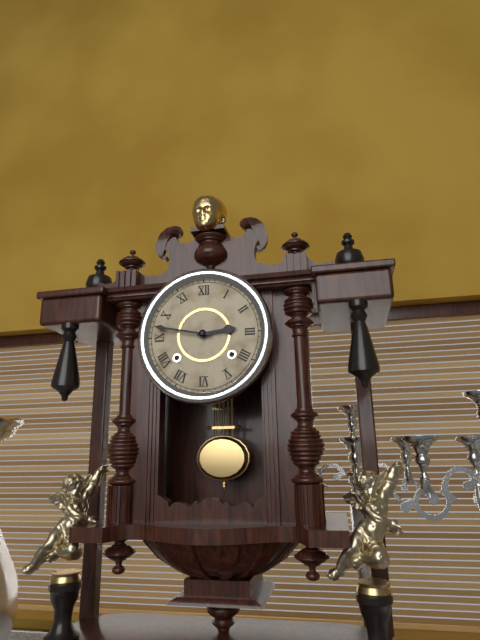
h=2 m=47
